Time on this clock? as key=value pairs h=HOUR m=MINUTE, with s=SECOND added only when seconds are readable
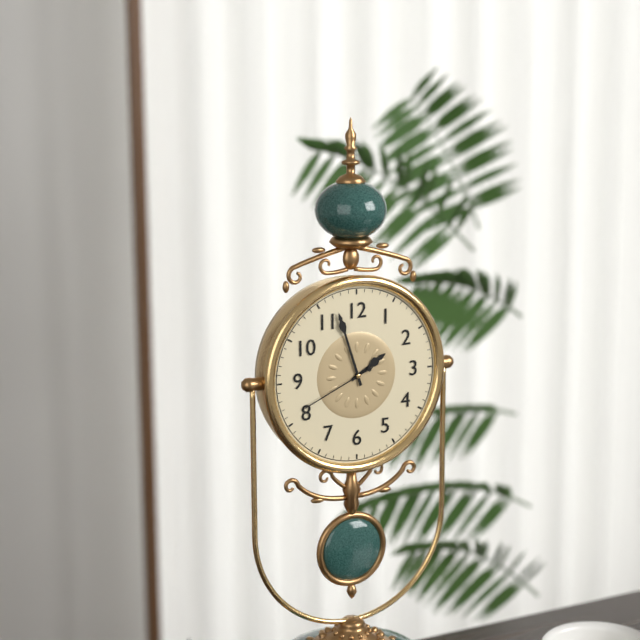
h=1 m=57 s=41
